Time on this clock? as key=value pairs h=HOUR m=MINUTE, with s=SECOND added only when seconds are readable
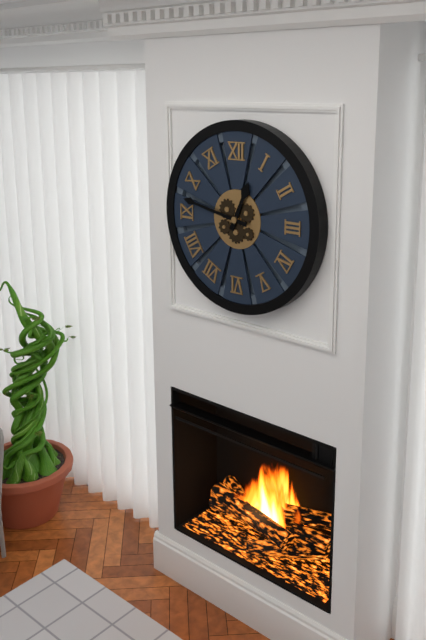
h=12 m=47
